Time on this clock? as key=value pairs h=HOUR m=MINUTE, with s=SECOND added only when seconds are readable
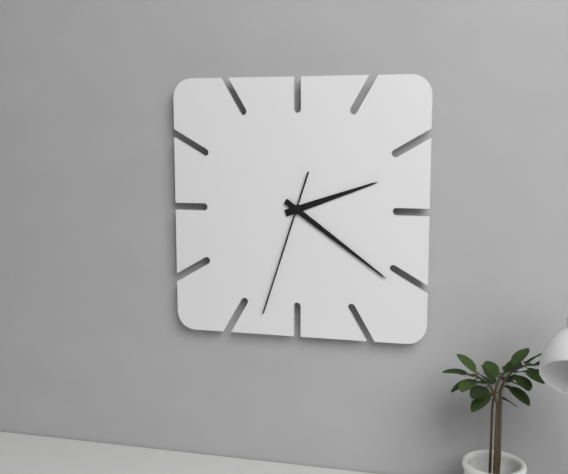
h=2 m=21 s=33
